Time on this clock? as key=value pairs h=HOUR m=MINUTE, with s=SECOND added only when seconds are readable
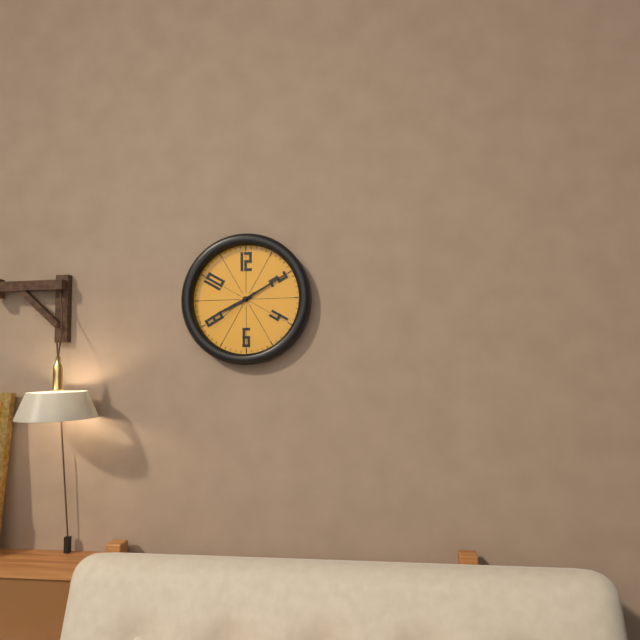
h=8 m=10 s=39
